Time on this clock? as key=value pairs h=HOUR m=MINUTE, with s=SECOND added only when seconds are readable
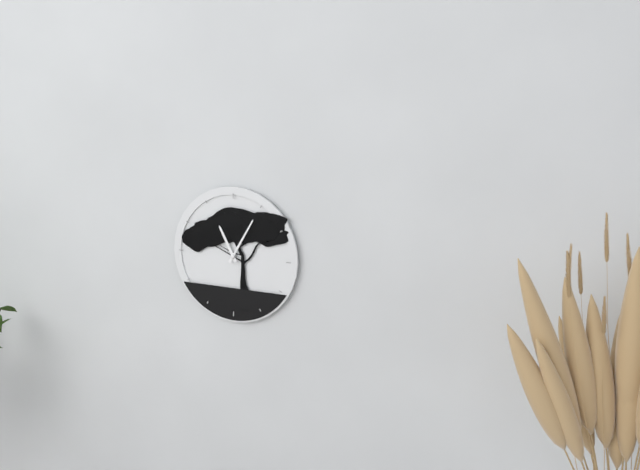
h=11 m=5
